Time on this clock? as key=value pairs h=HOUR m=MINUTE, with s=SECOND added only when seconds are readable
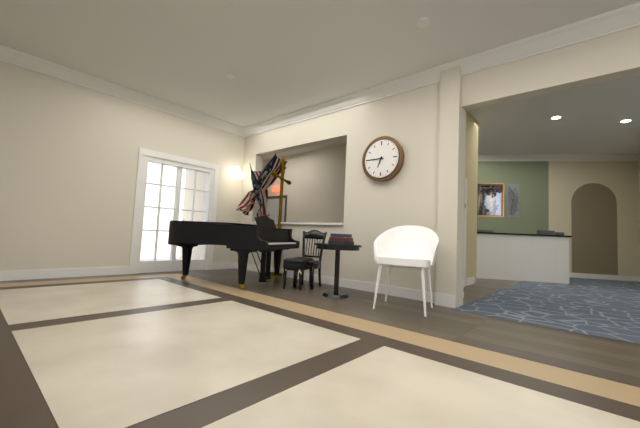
h=6 m=45
